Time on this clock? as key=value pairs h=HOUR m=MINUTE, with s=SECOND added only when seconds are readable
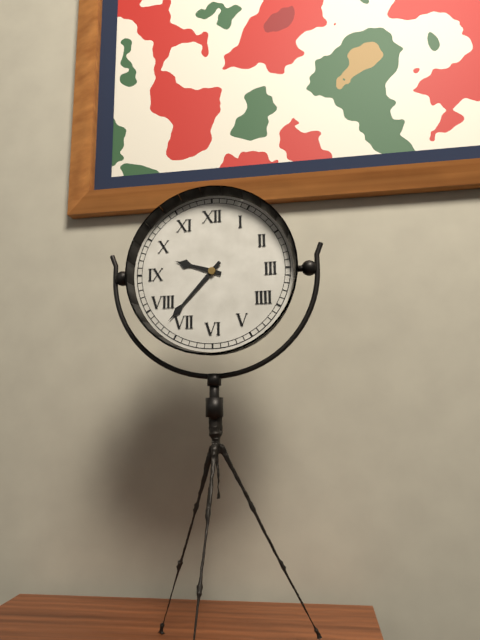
h=9 m=37
